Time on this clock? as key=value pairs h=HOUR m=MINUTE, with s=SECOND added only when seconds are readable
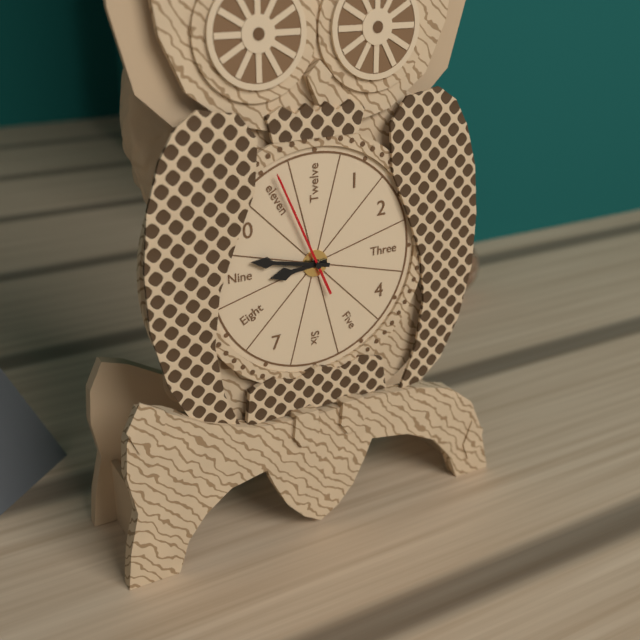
h=8 m=47 s=56
